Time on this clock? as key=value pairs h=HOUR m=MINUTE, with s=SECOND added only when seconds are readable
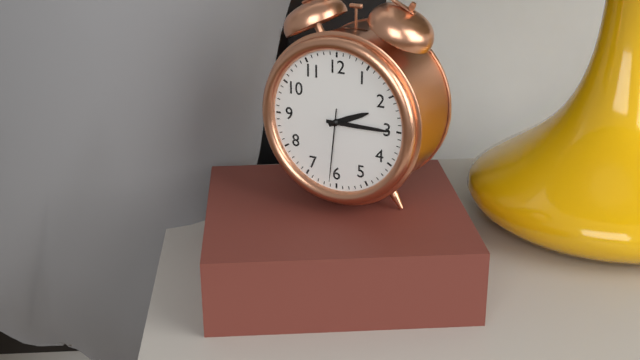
h=2 m=15 s=31
